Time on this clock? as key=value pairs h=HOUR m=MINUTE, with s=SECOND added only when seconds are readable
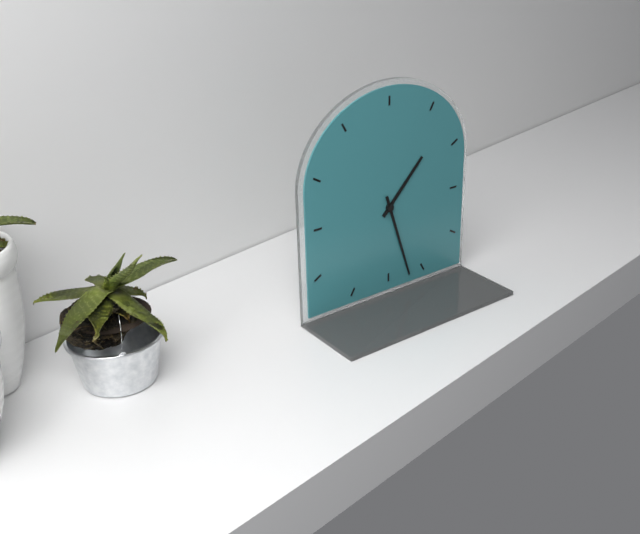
h=1 m=27
